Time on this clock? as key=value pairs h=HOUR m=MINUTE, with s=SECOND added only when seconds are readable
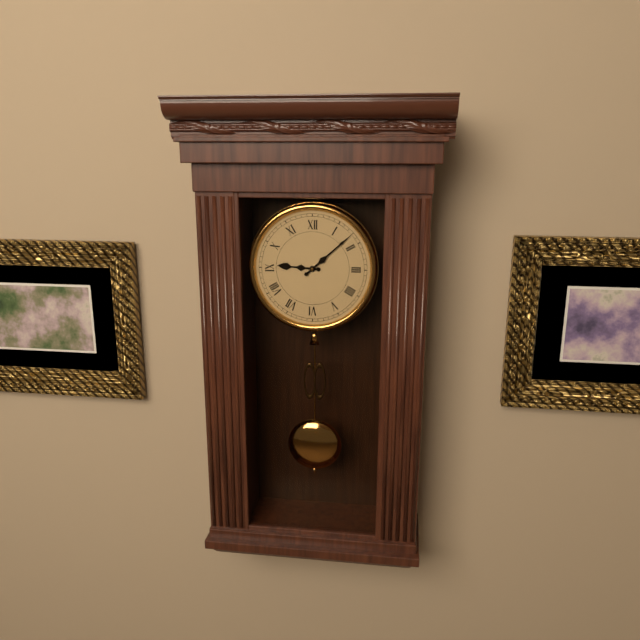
h=9 m=8
